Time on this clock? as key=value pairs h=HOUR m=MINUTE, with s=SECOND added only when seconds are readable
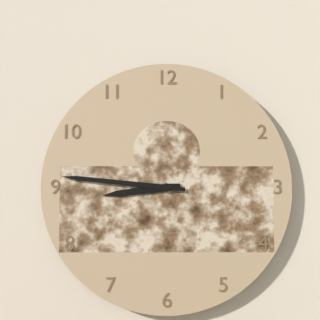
h=8 m=46
